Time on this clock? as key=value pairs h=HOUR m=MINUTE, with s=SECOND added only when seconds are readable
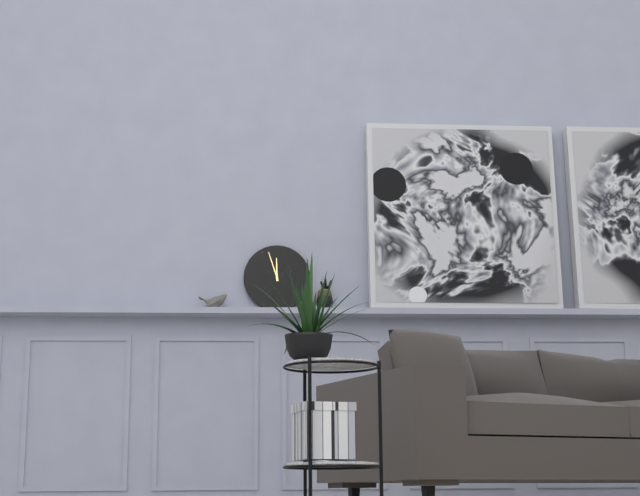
h=11 m=57
